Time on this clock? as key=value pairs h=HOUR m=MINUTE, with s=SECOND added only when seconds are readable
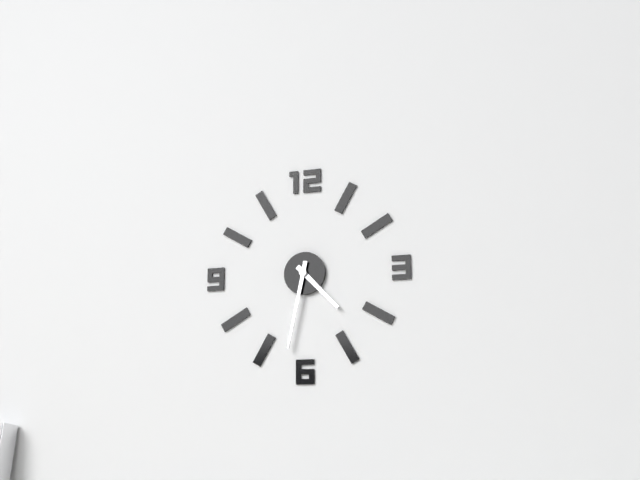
h=4 m=32
